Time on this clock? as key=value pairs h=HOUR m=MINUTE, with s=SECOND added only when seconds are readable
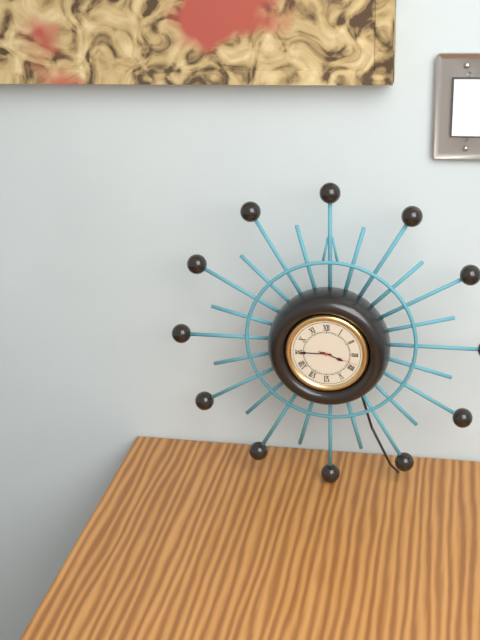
h=3 m=45
